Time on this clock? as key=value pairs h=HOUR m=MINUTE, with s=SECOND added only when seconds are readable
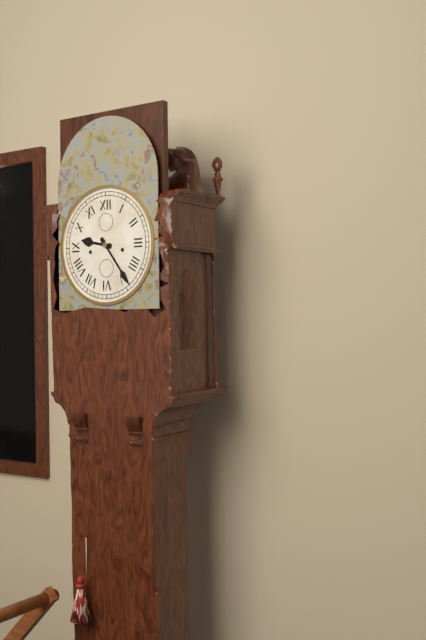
h=9 m=24
